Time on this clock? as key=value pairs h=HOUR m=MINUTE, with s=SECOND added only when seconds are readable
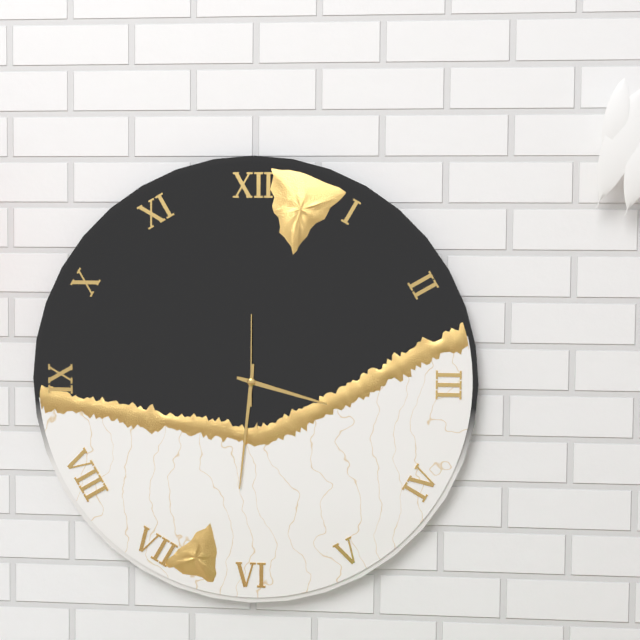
h=3 m=31 s=0
